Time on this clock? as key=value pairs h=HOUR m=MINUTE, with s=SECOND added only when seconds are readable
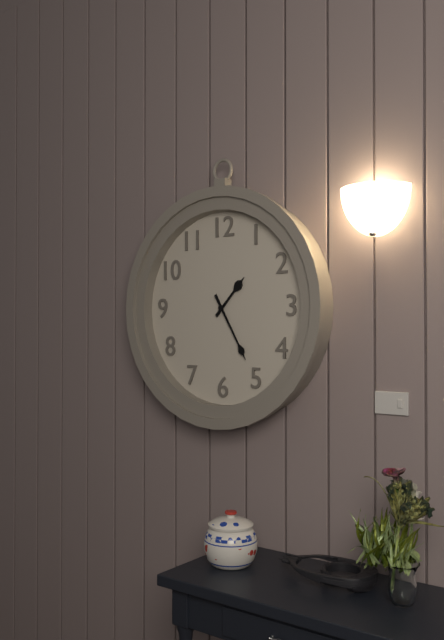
h=1 m=25
